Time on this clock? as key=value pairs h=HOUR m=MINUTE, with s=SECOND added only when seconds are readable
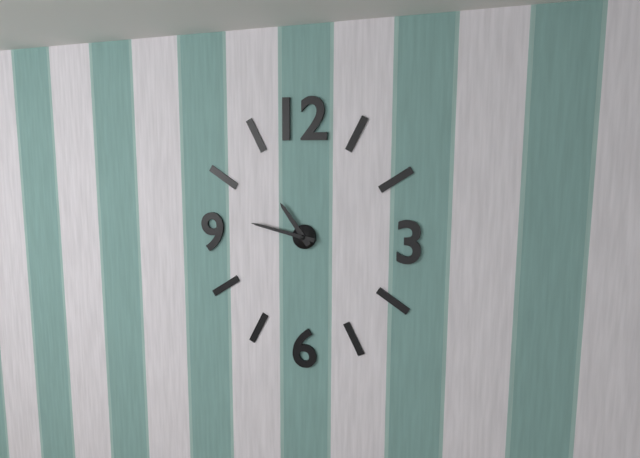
h=10 m=47
